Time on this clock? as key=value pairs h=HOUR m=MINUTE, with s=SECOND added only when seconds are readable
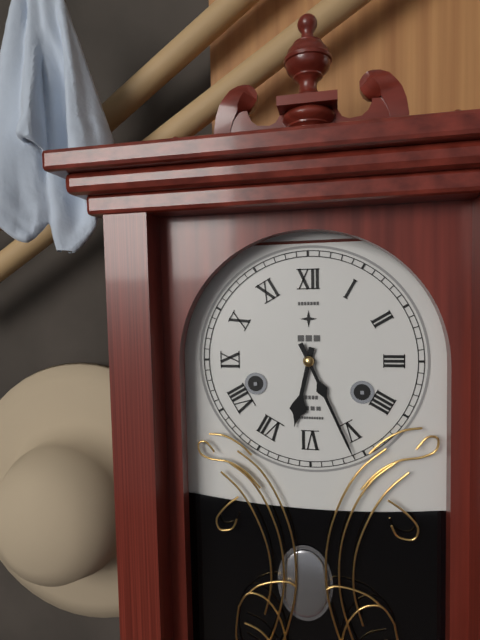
h=6 m=26
